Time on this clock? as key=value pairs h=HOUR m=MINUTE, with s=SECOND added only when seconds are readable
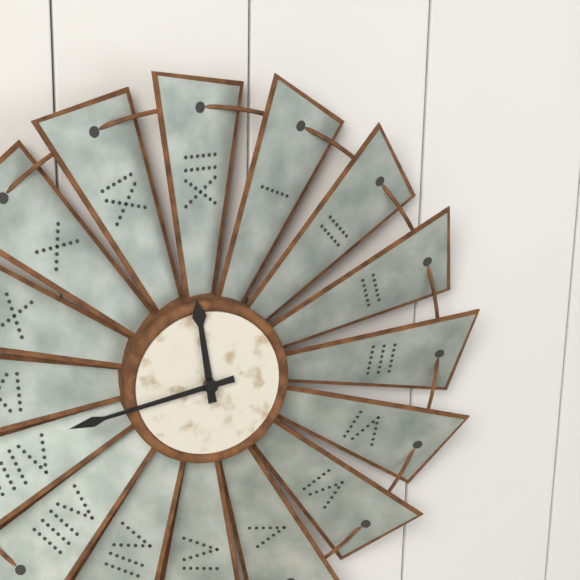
h=11 m=43
